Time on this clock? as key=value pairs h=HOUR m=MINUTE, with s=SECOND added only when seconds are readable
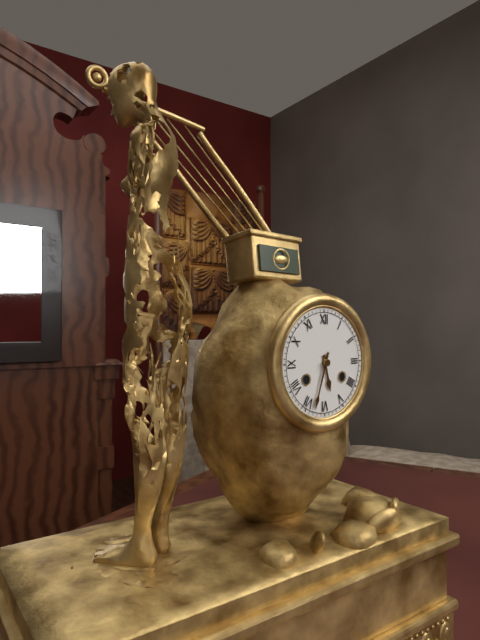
h=5 m=33
